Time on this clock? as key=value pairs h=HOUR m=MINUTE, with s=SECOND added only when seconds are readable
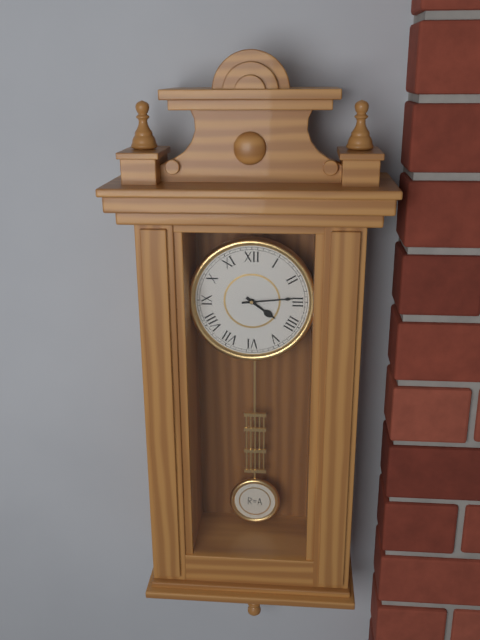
h=4 m=14
